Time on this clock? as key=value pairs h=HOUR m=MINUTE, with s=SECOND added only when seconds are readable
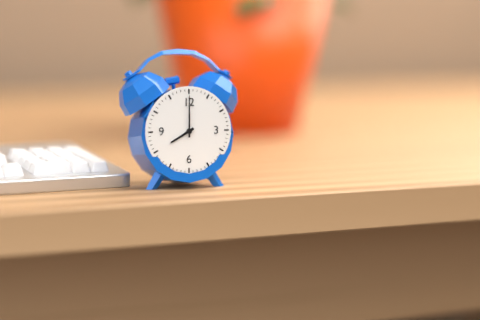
h=8 m=0
